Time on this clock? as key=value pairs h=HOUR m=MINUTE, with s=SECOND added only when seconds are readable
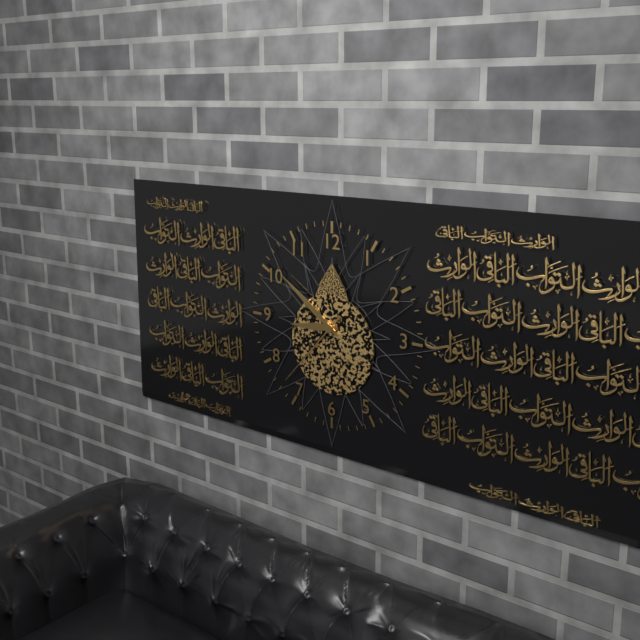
h=8 m=51 s=37
